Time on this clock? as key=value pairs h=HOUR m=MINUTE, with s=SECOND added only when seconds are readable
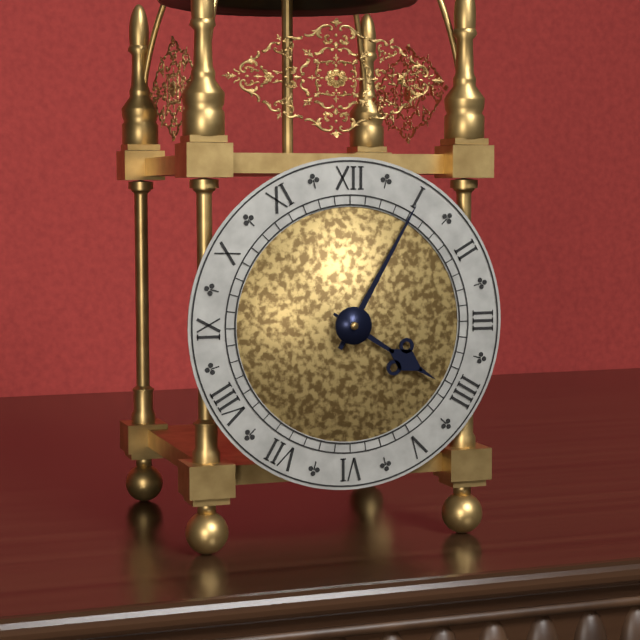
h=4 m=5
